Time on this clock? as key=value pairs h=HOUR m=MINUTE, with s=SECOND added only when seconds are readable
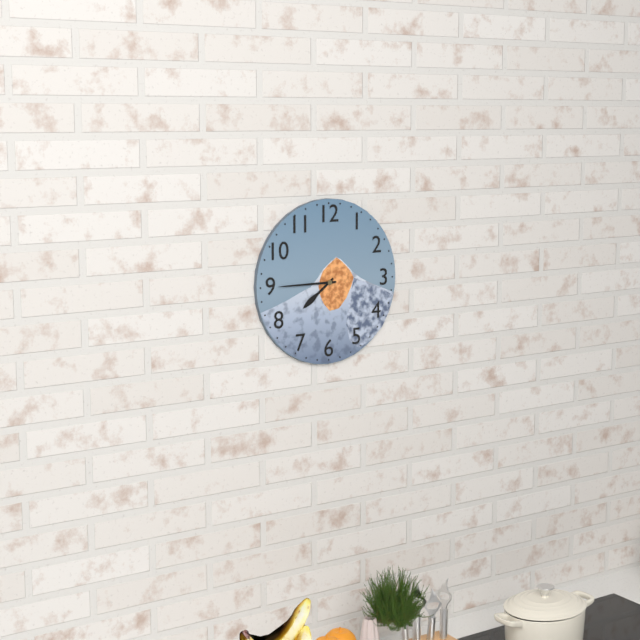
h=7 m=45
